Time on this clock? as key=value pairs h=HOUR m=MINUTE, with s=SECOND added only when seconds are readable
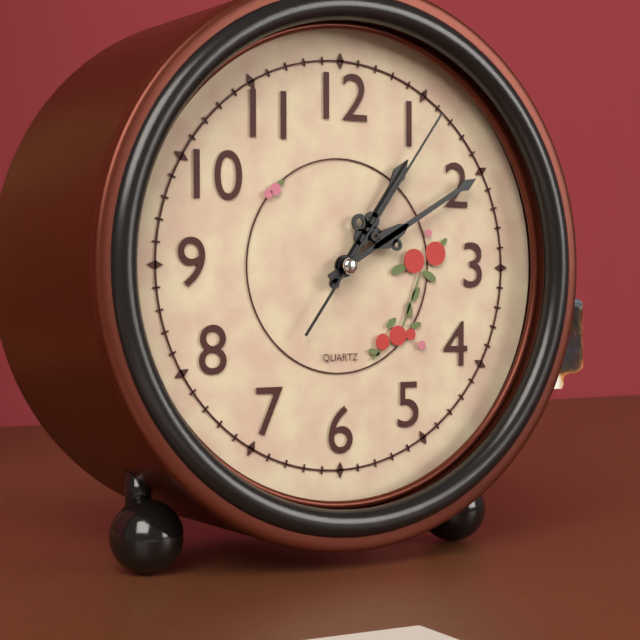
h=1 m=10 s=6
